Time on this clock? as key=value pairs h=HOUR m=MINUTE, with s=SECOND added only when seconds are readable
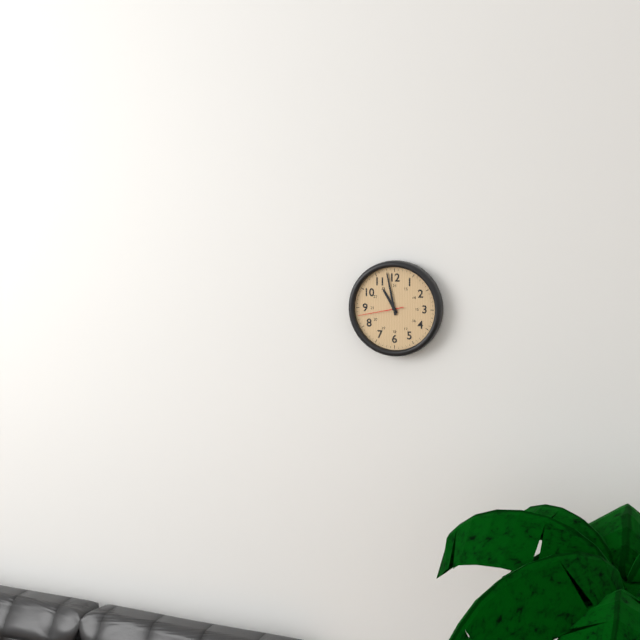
h=10 m=58
